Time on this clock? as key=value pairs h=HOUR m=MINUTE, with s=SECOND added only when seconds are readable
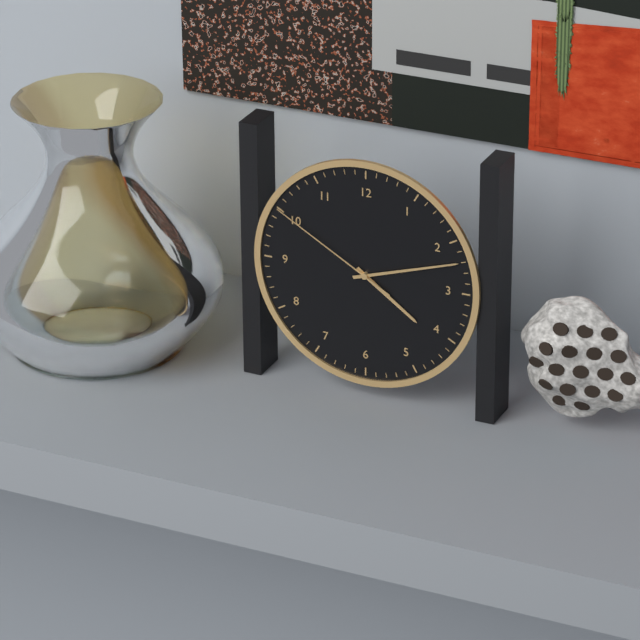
h=4 m=12 s=50
